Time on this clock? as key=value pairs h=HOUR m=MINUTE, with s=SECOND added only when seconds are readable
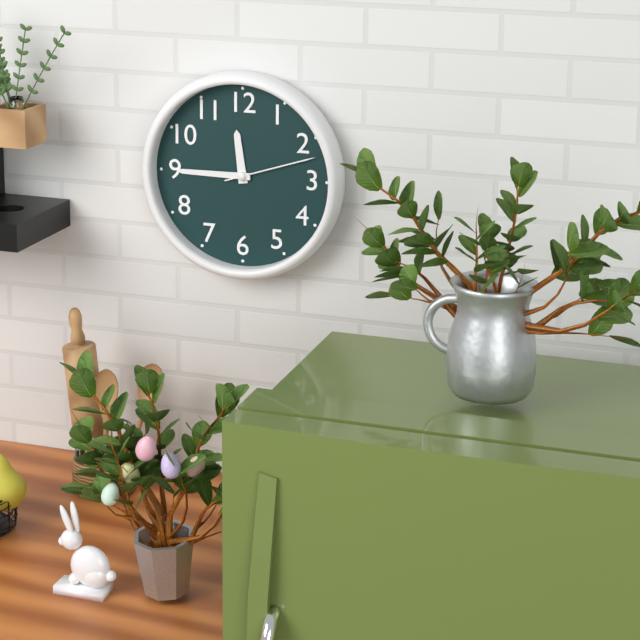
h=11 m=45 s=12
